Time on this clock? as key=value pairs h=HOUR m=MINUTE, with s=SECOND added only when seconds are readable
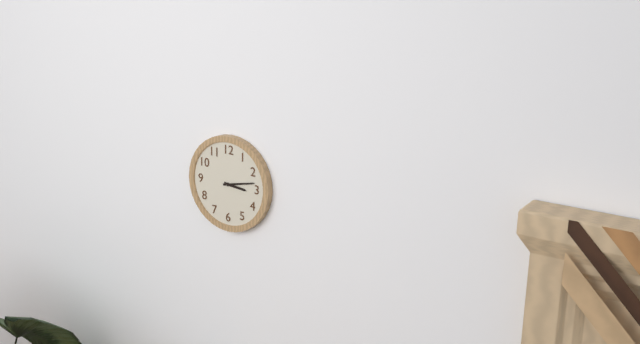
h=3 m=13
